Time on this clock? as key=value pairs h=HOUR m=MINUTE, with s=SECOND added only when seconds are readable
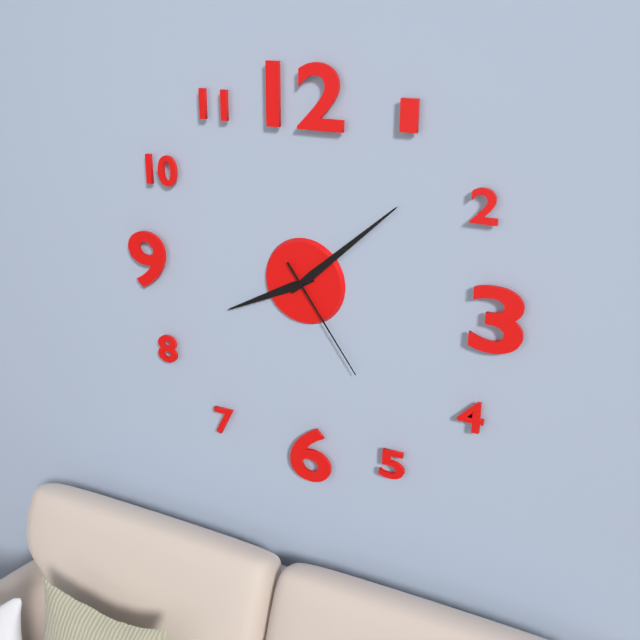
h=8 m=8 s=24
